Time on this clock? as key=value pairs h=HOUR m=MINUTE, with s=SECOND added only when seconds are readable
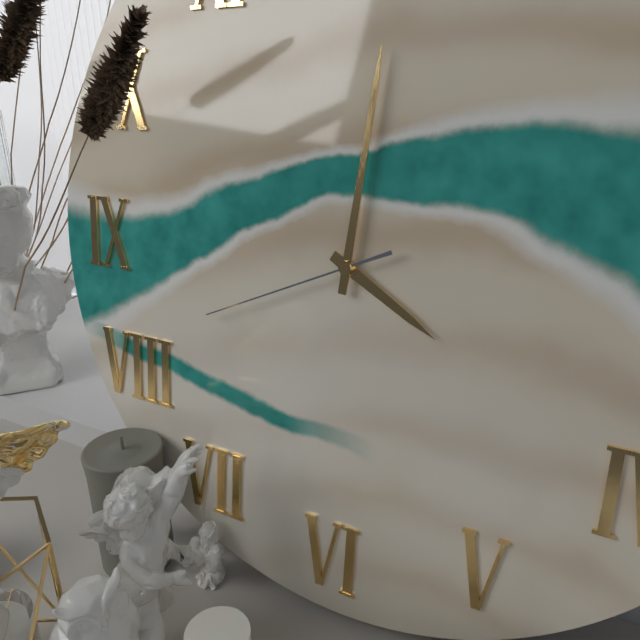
h=4 m=1 s=41
